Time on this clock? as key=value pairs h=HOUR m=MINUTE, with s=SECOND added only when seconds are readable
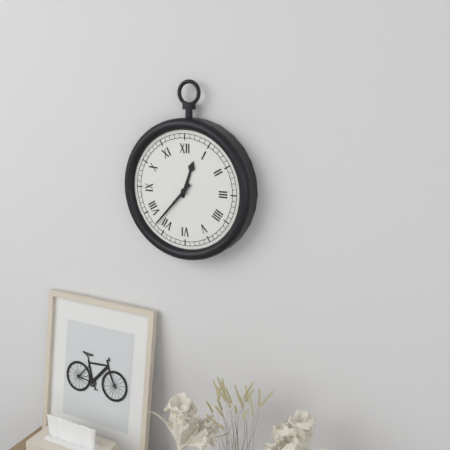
h=12 m=37
